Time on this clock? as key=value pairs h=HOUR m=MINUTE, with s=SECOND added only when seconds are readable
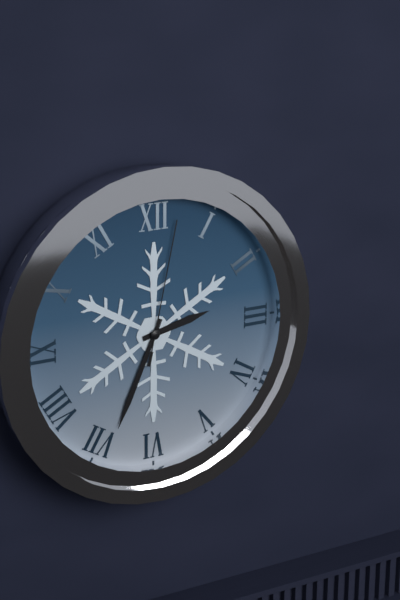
h=2 m=34 s=2
